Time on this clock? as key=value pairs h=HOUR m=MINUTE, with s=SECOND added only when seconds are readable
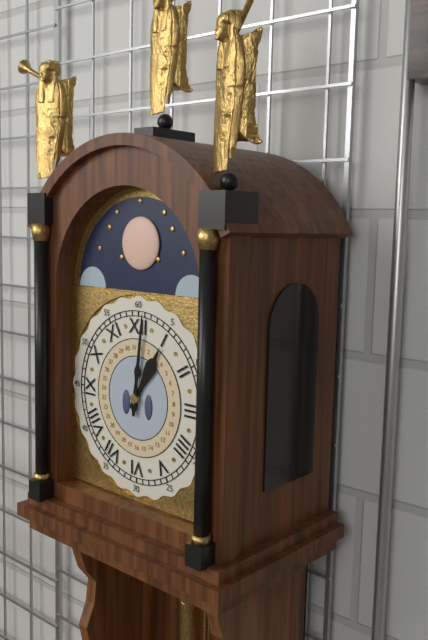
h=1 m=1
